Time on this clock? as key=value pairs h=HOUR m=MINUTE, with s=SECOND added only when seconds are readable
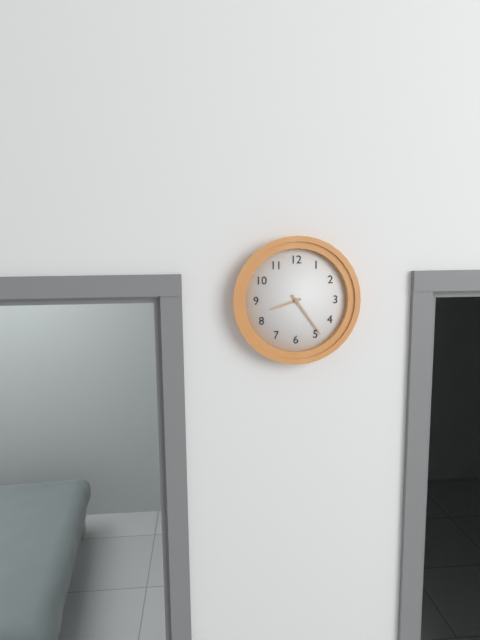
h=8 m=24
